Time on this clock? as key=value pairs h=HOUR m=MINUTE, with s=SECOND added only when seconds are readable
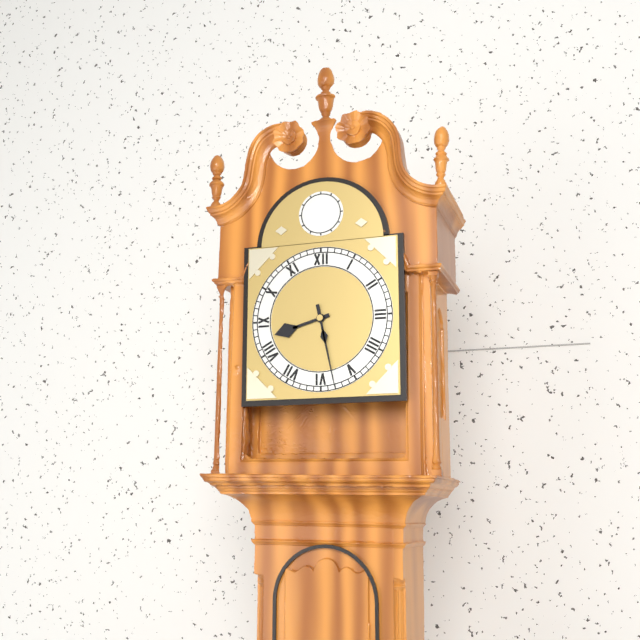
h=8 m=28
